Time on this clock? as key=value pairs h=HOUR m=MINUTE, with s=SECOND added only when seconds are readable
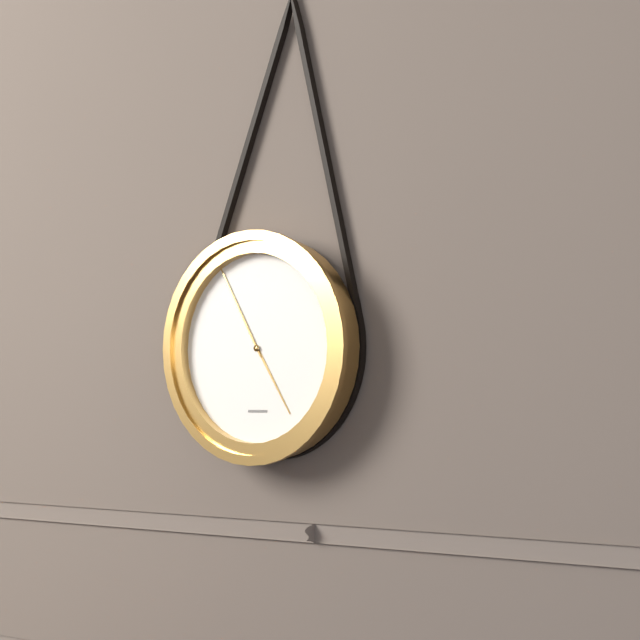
h=4 m=55
